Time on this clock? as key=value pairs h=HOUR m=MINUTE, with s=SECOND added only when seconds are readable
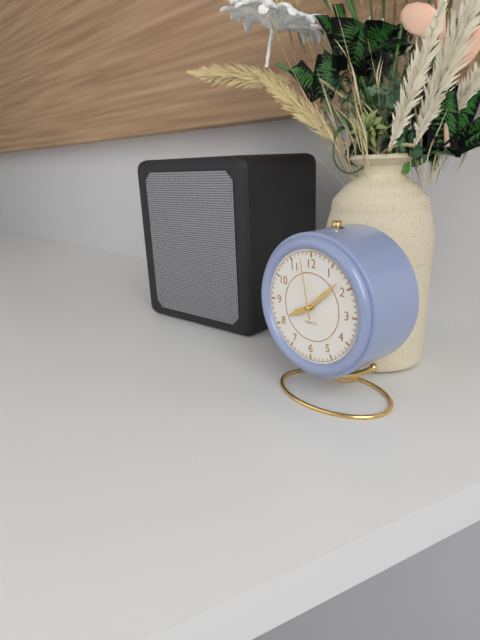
h=8 m=8 s=58
